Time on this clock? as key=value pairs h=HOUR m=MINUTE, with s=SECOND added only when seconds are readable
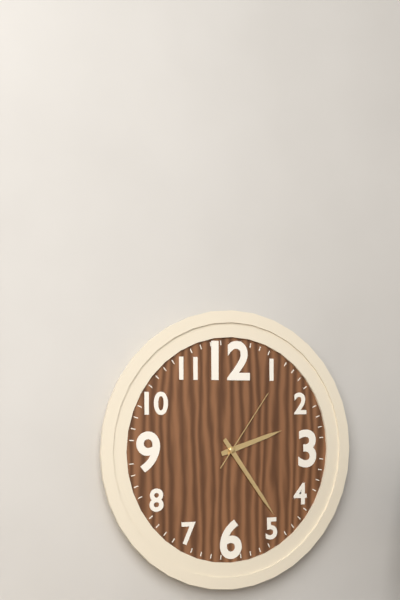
h=2 m=24 s=6
